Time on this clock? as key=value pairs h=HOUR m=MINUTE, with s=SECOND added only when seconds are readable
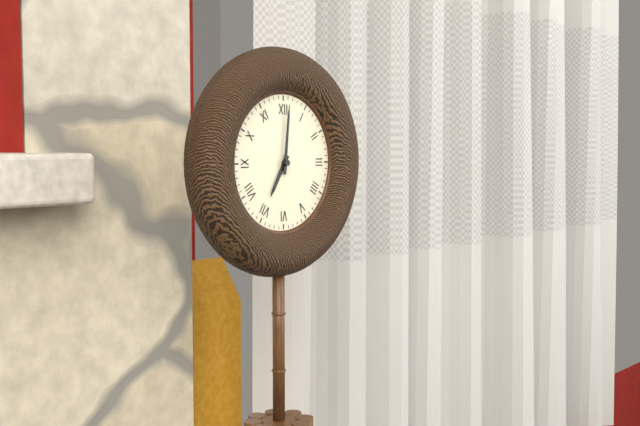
h=7 m=1
